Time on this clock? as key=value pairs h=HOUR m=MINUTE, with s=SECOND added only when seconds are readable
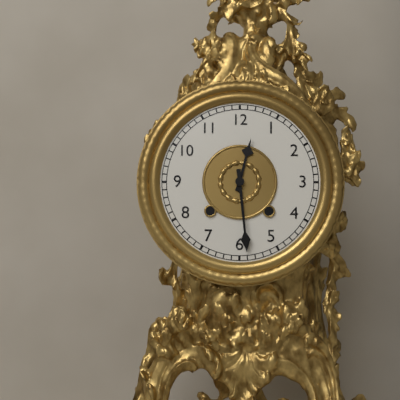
h=12 m=29
